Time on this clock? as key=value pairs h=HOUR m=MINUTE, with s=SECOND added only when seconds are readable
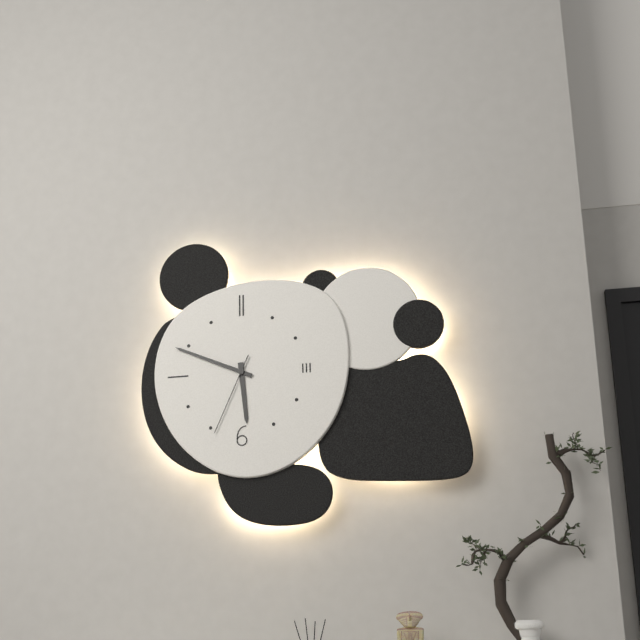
h=5 m=49 s=34
